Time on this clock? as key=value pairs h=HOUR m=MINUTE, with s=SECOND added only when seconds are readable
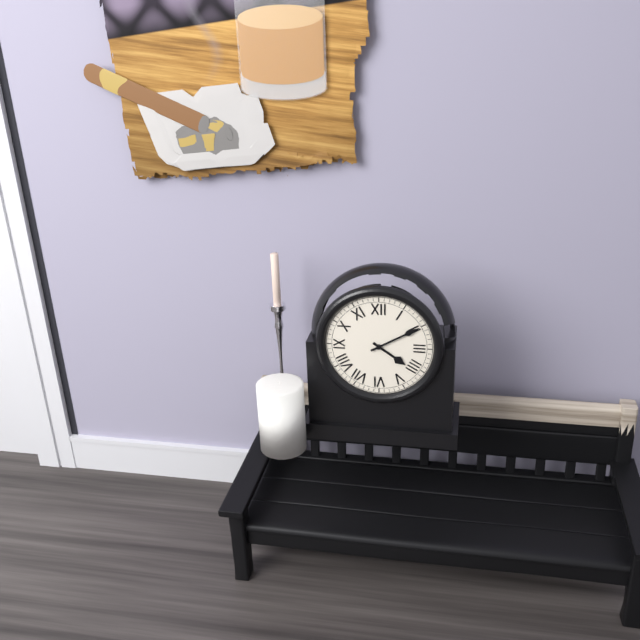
h=4 m=10
